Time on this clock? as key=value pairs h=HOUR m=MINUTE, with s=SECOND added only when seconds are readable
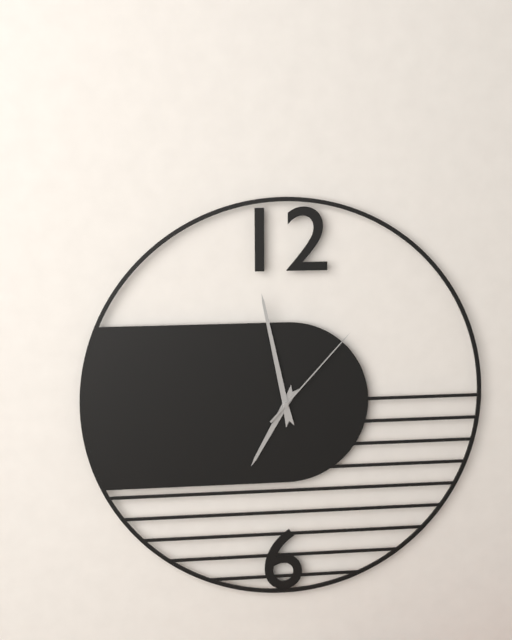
h=6 m=58 s=7
